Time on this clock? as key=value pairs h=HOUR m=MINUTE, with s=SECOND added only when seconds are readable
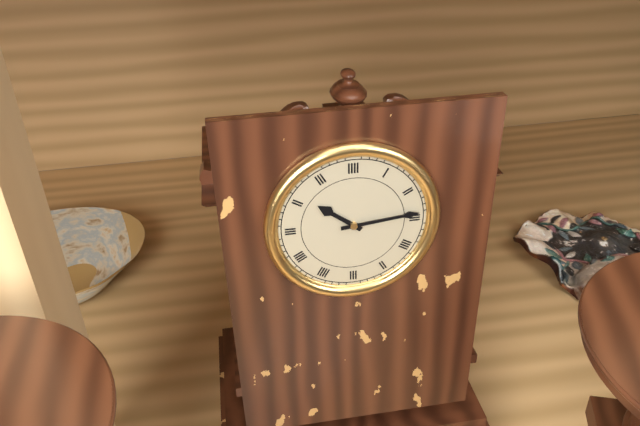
h=10 m=14
